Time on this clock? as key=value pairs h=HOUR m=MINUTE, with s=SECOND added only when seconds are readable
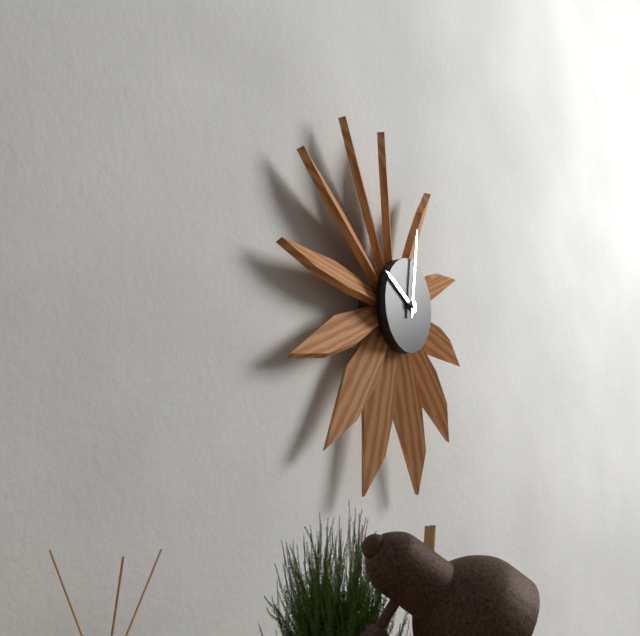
h=10 m=1
